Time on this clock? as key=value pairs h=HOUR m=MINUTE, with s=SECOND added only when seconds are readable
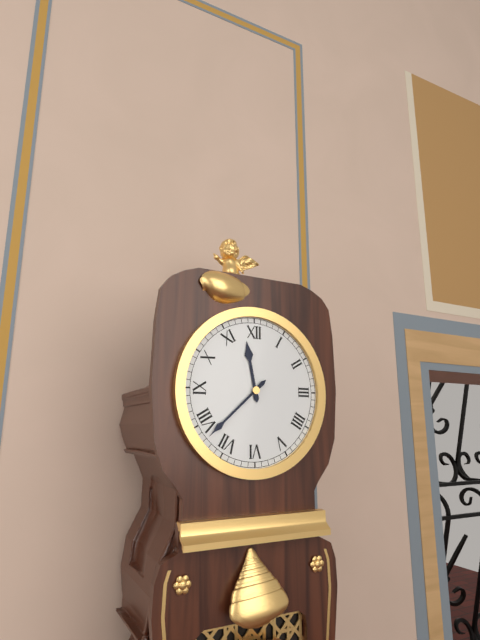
h=11 m=38
